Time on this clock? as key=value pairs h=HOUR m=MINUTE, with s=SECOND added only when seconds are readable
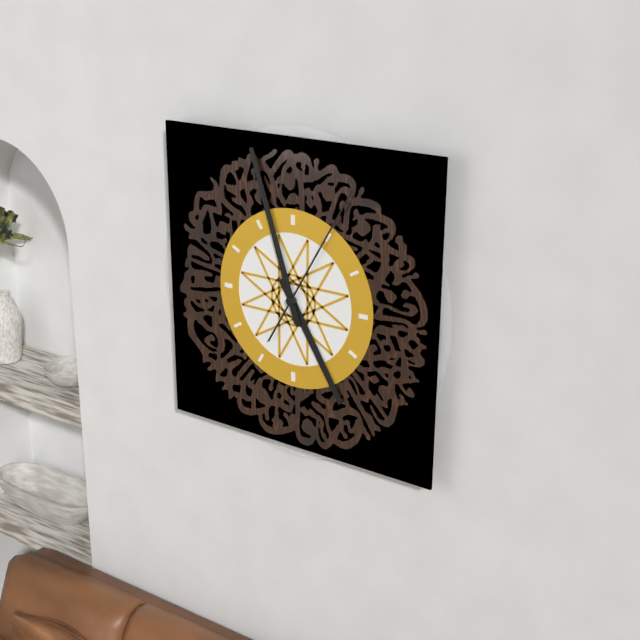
h=4 m=57 s=5
